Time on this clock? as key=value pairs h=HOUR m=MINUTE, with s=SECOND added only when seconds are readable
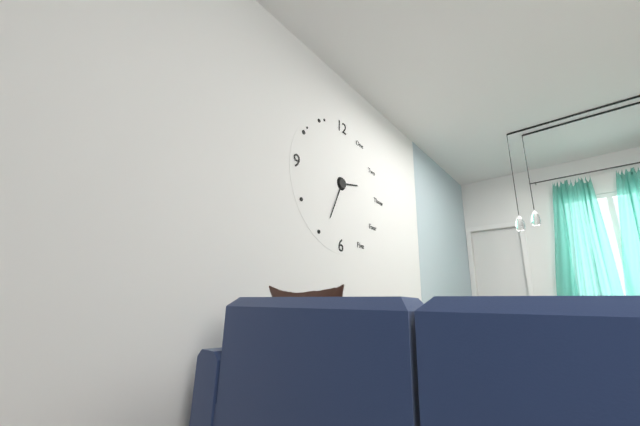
h=2 m=34
